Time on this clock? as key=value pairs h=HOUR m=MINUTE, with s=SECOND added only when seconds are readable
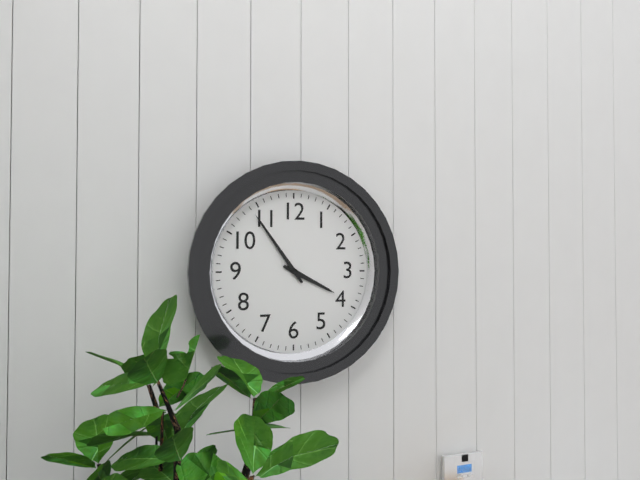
h=3 m=54
